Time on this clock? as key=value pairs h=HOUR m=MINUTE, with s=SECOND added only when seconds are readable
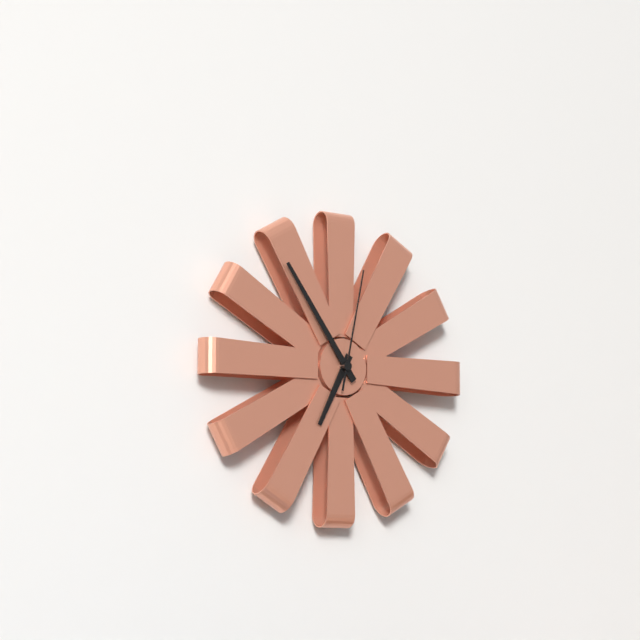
h=6 m=54 s=2
